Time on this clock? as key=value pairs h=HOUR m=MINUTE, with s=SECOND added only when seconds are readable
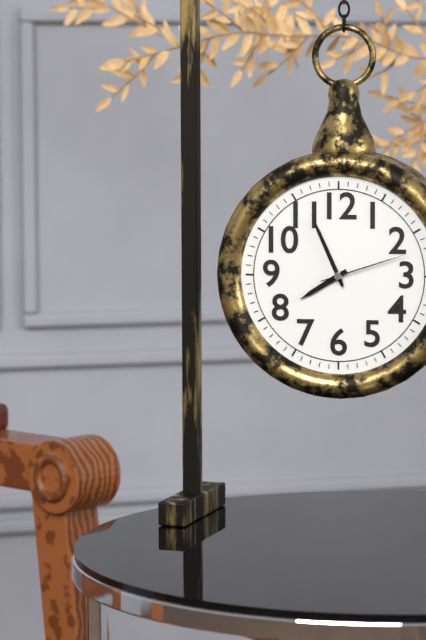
h=7 m=56 s=12
